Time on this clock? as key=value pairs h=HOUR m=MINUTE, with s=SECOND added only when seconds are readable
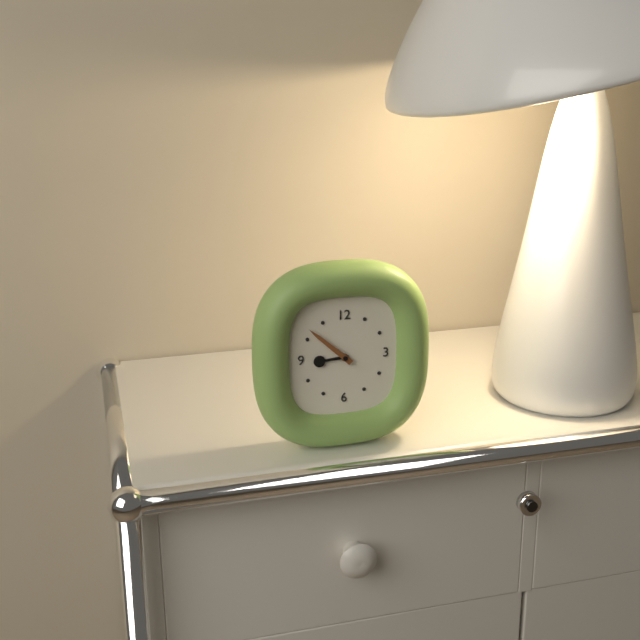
h=8 m=52
